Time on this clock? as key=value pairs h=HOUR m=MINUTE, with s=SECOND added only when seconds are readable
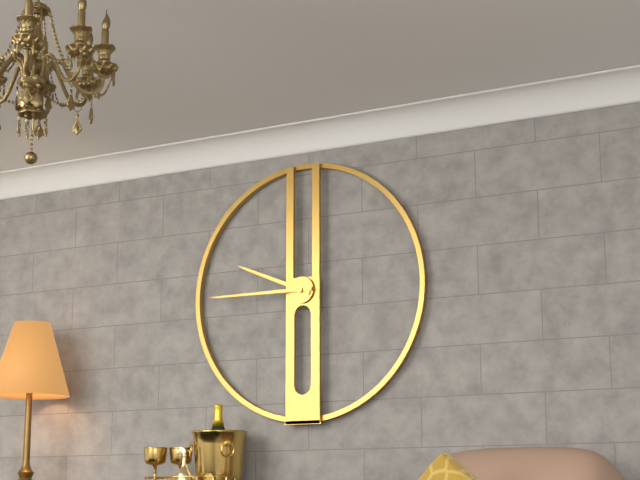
h=9 m=45
